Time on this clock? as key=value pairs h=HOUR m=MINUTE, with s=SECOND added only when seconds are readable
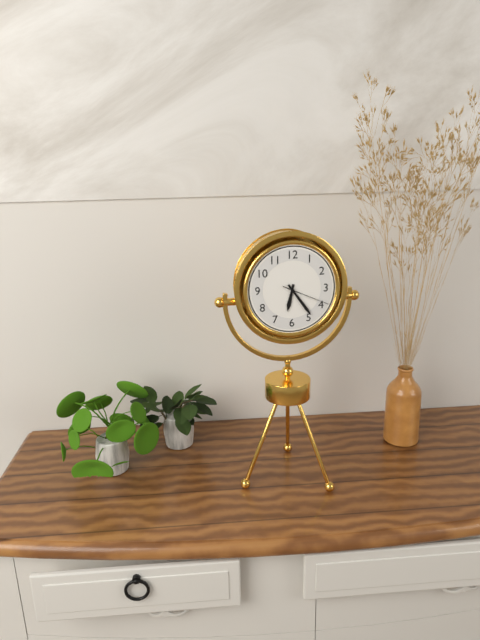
h=6 m=24
